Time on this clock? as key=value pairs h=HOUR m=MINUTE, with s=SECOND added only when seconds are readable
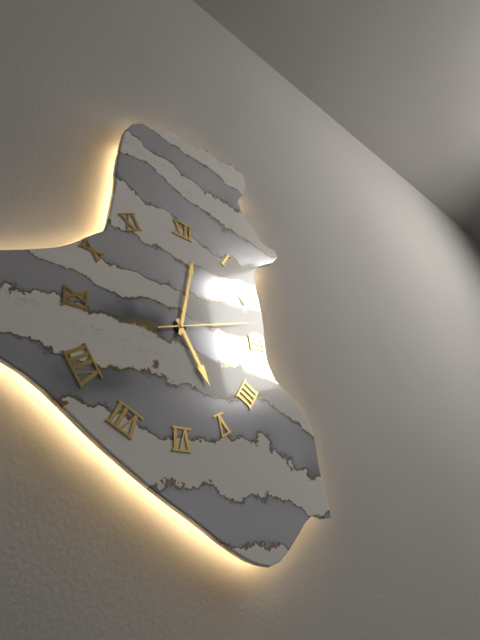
h=5 m=2 s=12
